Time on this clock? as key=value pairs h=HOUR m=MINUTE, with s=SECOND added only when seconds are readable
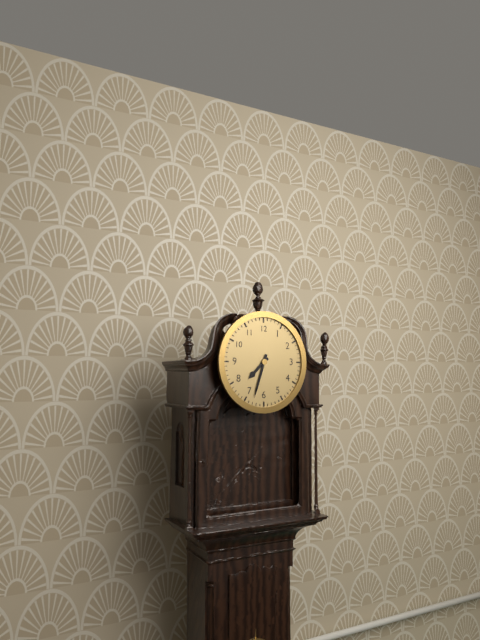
h=7 m=33
